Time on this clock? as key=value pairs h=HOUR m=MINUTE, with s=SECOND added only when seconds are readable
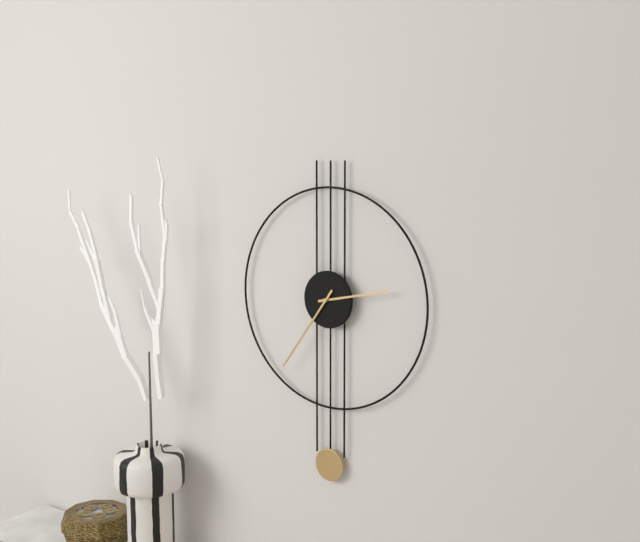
h=2 m=36
